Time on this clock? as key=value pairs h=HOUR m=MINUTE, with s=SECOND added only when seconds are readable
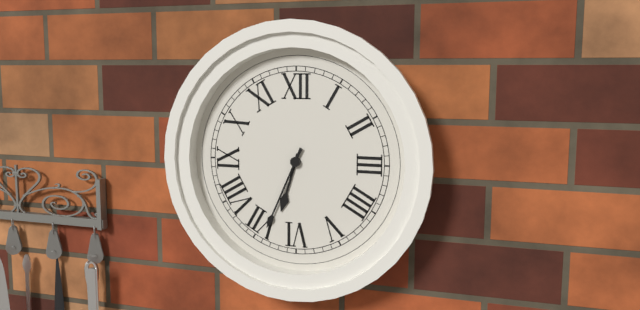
h=6 m=34
